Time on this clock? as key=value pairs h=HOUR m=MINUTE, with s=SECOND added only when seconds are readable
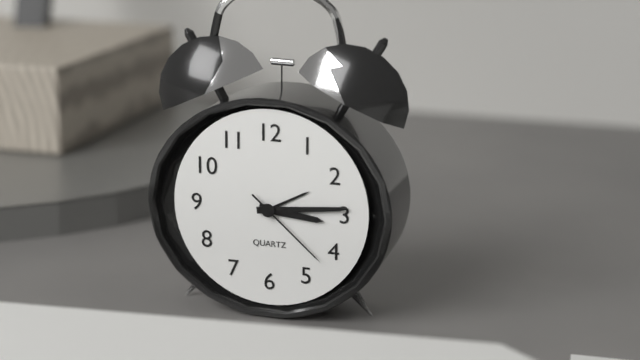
h=3 m=14 s=22
